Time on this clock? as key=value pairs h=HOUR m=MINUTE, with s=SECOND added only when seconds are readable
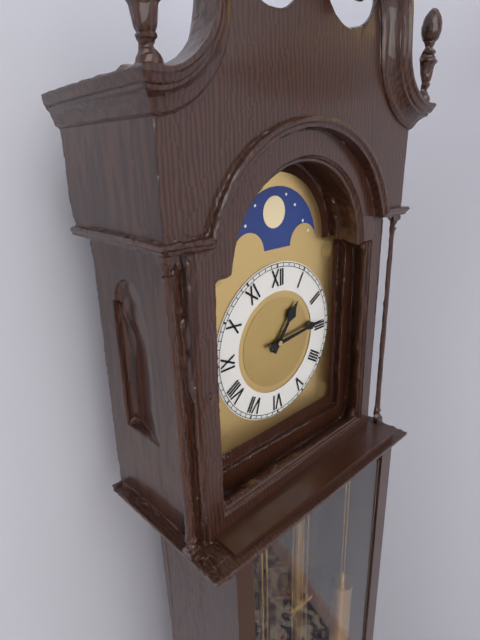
h=1 m=14
